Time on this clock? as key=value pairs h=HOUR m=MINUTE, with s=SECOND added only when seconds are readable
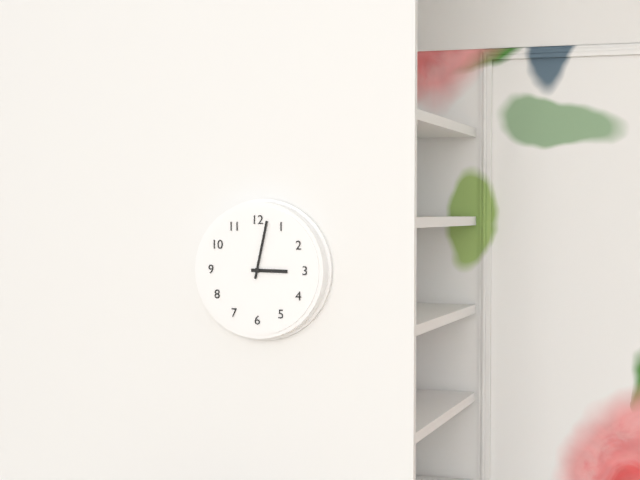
h=3 m=2
